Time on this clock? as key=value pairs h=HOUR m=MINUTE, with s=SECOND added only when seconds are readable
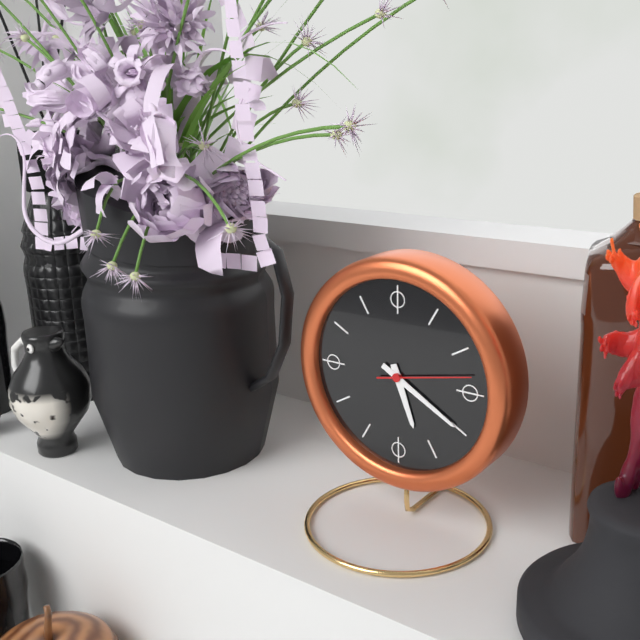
h=5 m=20 s=13
